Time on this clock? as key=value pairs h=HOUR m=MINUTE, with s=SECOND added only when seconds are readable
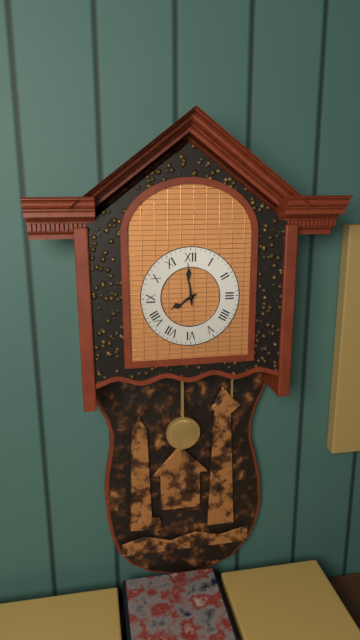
h=7 m=59
